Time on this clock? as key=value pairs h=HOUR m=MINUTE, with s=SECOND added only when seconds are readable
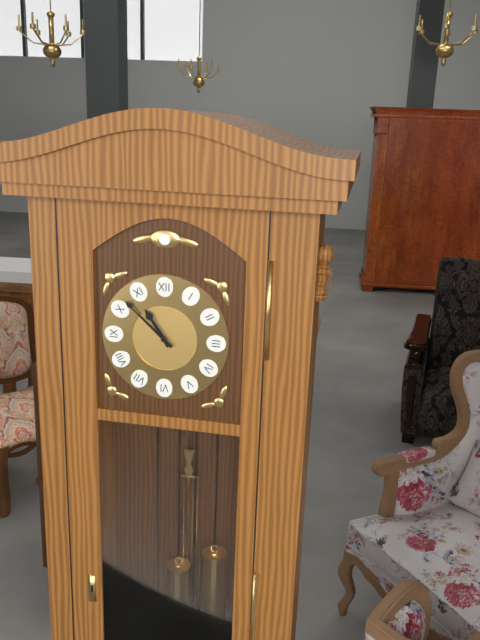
h=10 m=52
